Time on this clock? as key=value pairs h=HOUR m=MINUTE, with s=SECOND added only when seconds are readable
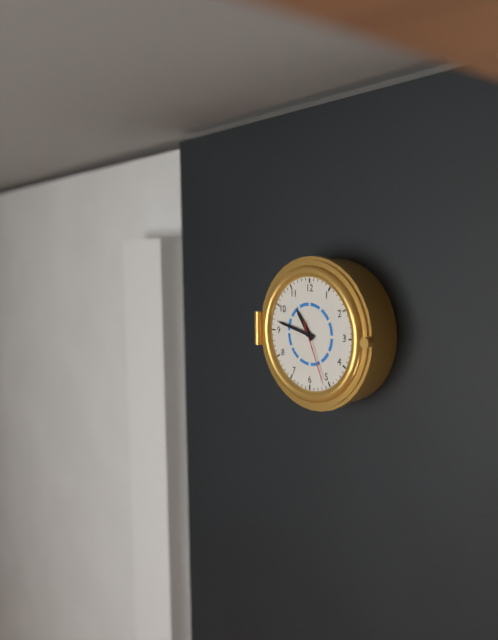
h=10 m=47 s=26
